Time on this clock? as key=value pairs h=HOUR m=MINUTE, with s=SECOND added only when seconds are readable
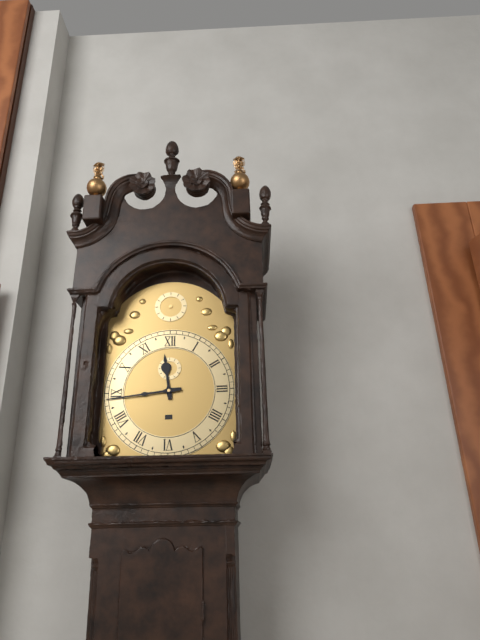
h=11 m=44
